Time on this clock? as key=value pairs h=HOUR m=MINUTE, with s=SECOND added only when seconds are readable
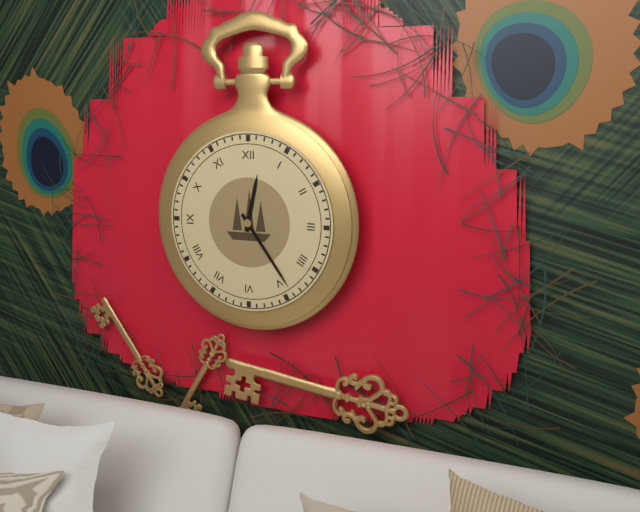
h=12 m=24
